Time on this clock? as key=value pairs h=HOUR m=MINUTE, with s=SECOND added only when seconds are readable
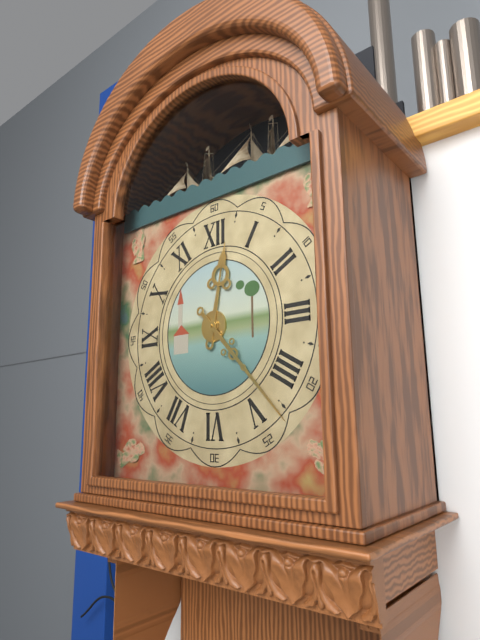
h=12 m=23
